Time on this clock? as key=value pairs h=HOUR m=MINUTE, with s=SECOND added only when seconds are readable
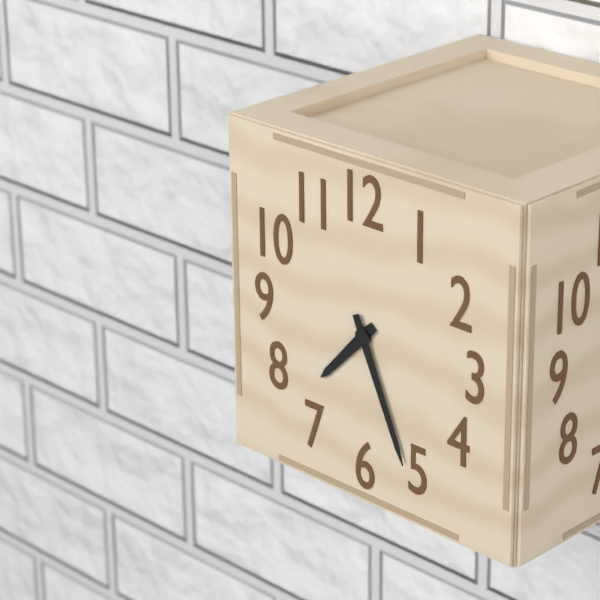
h=7 m=26
